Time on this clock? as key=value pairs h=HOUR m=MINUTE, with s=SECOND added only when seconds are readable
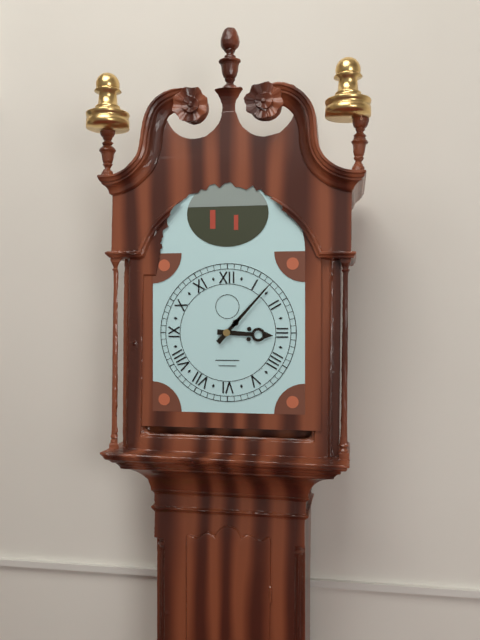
h=3 m=7
